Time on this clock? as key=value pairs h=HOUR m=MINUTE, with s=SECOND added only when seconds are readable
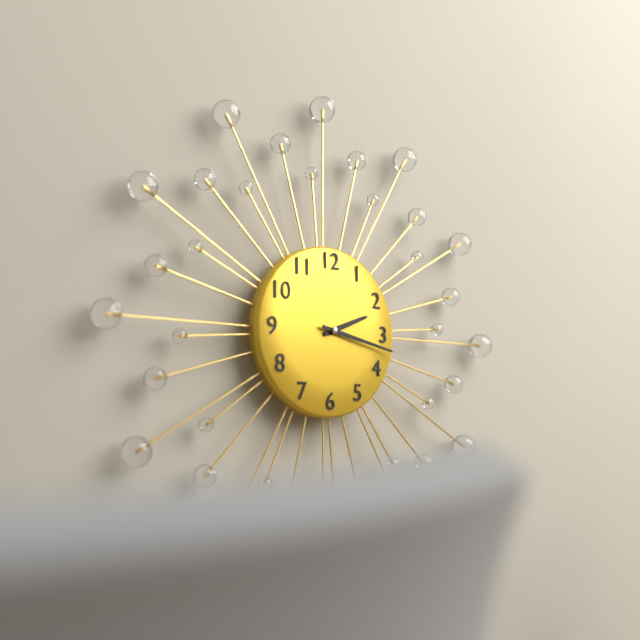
h=2 m=17
